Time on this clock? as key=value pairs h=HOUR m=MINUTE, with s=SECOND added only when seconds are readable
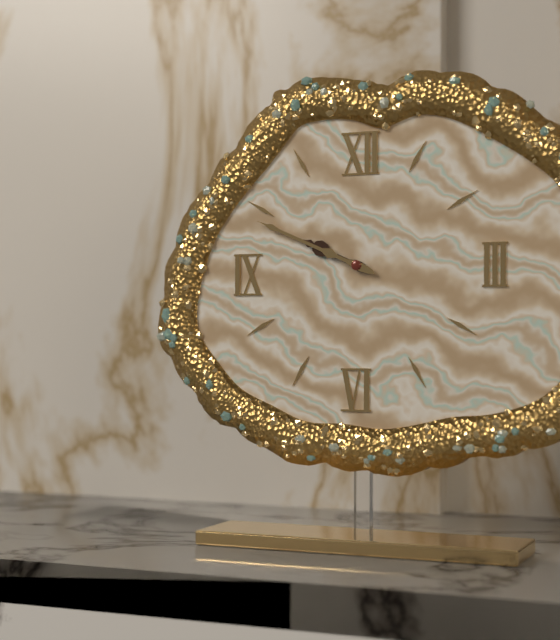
h=9 m=49
